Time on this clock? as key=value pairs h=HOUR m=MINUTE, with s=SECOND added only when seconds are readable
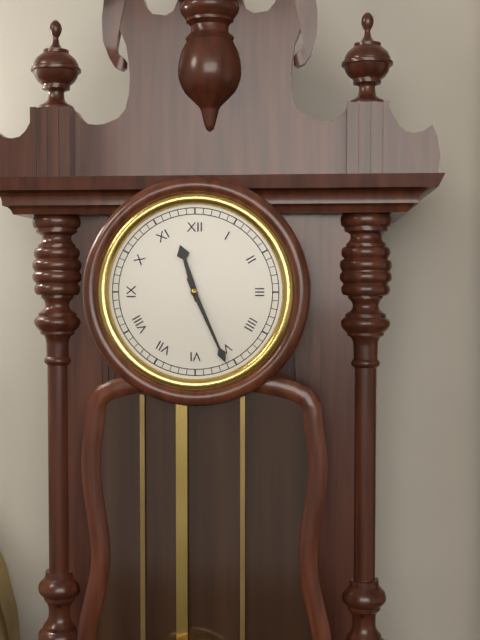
h=11 m=26
